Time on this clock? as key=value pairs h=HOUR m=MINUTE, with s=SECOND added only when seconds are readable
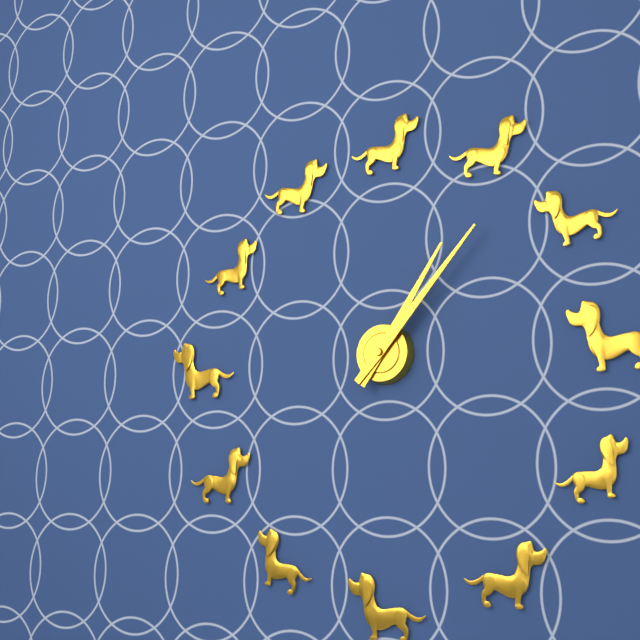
h=1 m=7
